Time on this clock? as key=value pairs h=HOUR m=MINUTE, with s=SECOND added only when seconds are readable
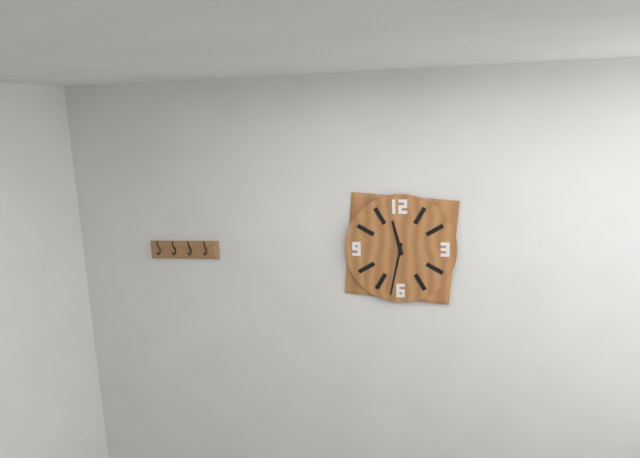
h=11 m=32
